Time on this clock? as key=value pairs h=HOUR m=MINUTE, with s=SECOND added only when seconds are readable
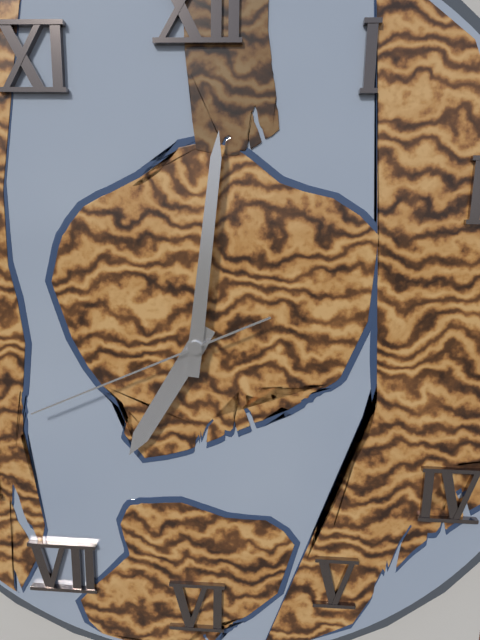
h=7 m=1 s=41
